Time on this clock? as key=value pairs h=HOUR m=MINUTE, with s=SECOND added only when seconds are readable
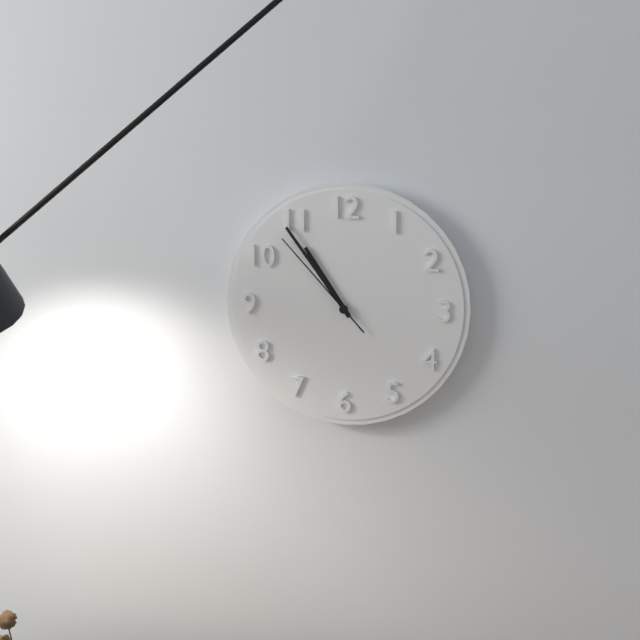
h=10 m=54 s=53
